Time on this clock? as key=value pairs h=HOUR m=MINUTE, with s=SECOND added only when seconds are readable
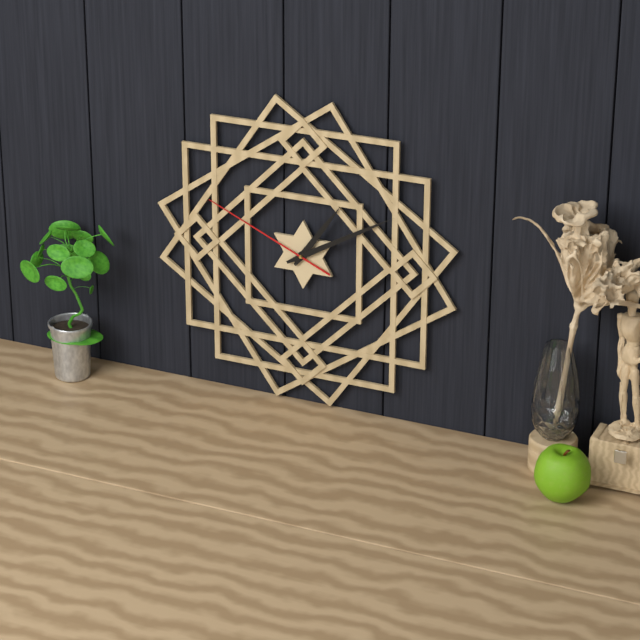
h=1 m=10 s=49
